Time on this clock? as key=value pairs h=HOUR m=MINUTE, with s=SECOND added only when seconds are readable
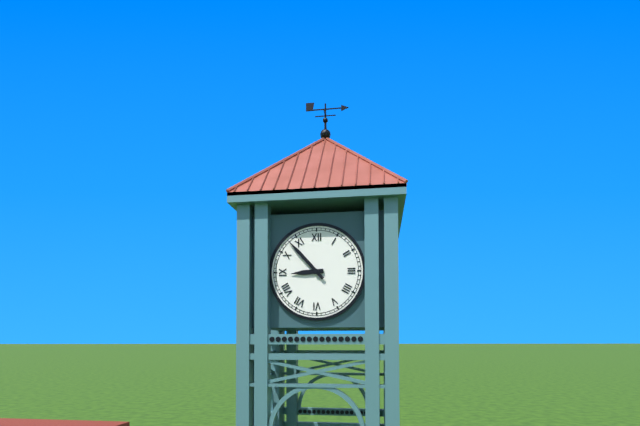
h=8 m=53
